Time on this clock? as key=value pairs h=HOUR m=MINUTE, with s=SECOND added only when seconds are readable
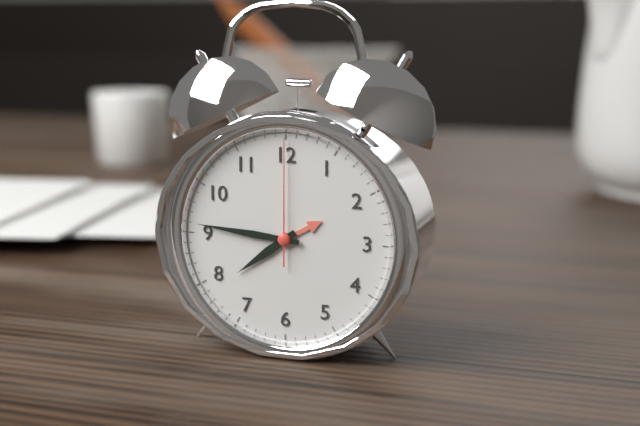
h=7 m=46 s=0
